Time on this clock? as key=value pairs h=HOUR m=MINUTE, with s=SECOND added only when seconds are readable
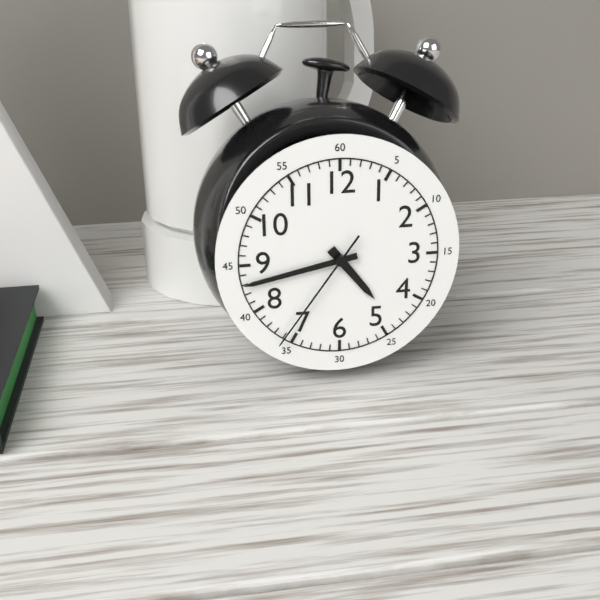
h=4 m=43 s=36
